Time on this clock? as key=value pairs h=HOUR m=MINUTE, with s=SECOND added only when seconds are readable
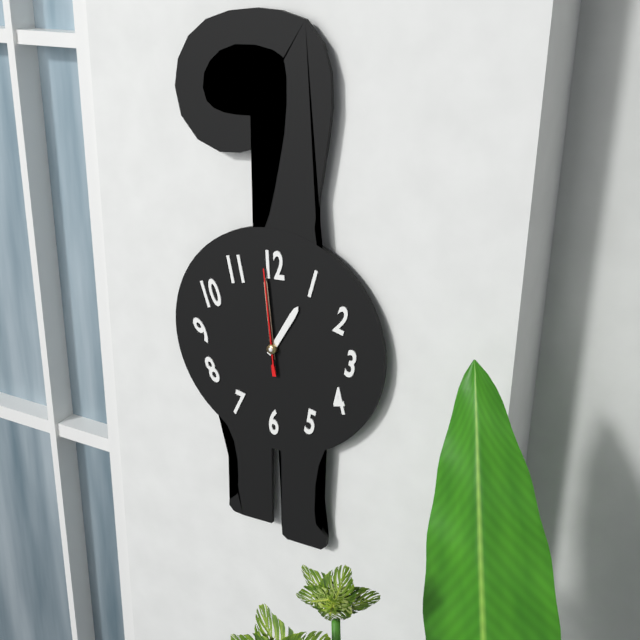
h=12 m=59 s=59
